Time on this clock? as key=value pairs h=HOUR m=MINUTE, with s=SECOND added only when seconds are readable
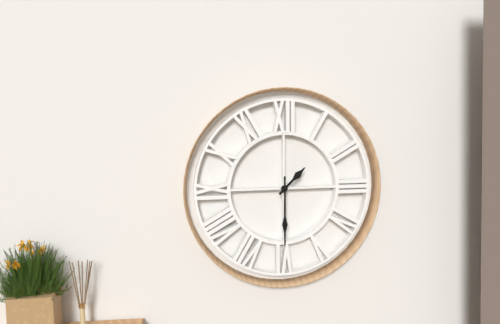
h=1 m=30
